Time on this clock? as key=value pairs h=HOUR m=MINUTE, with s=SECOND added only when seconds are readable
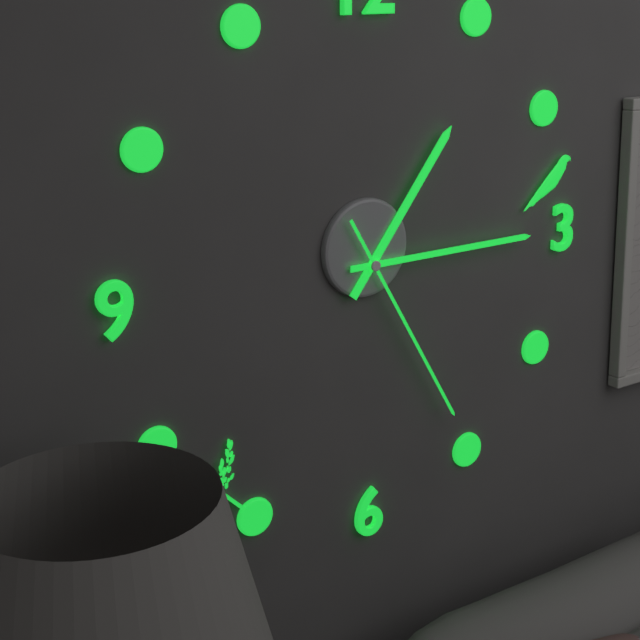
h=1 m=15 s=25
